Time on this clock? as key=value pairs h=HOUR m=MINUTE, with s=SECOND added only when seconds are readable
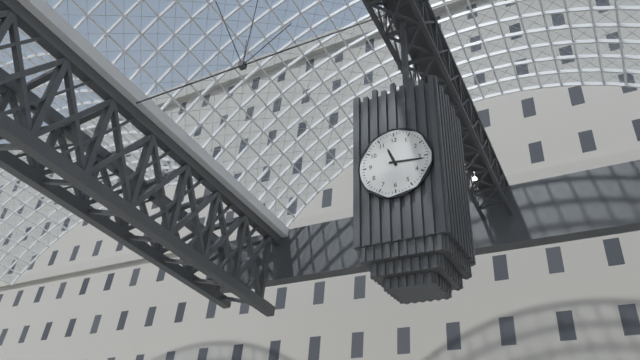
h=11 m=16
